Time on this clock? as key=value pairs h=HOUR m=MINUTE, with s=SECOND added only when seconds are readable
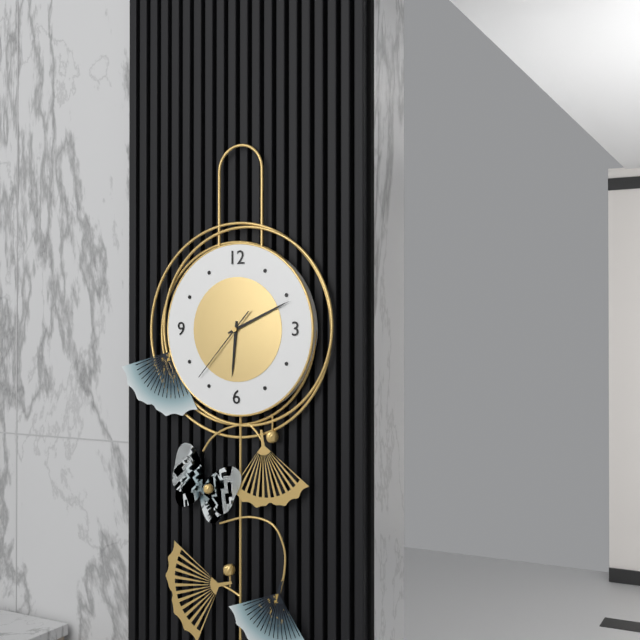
h=6 m=11 s=37
